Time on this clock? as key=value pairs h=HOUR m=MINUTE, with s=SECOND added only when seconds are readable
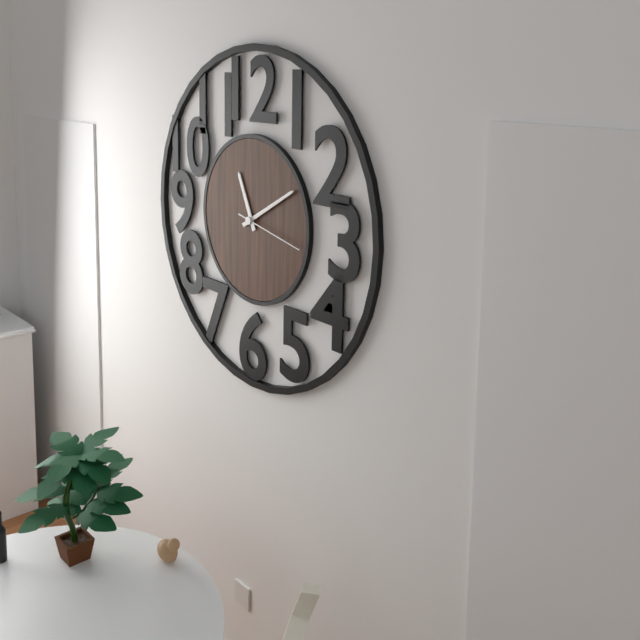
h=11 m=10 s=17
